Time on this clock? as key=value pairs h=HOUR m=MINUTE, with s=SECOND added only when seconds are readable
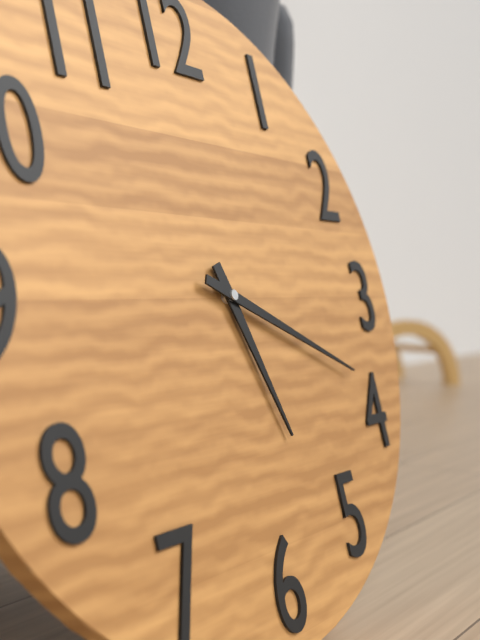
h=5 m=19
